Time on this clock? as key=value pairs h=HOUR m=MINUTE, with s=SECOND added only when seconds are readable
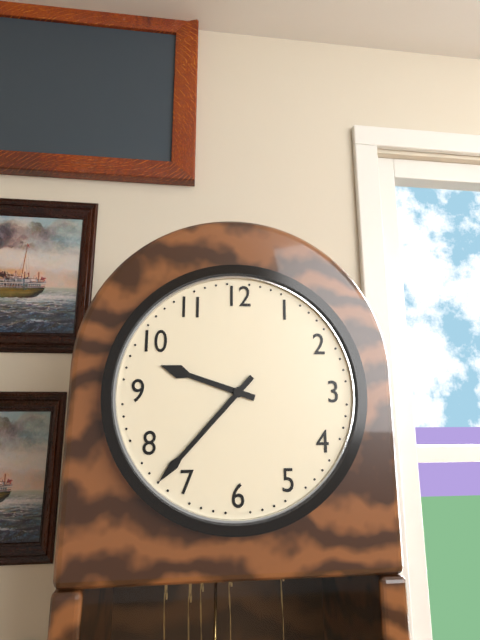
h=9 m=37
